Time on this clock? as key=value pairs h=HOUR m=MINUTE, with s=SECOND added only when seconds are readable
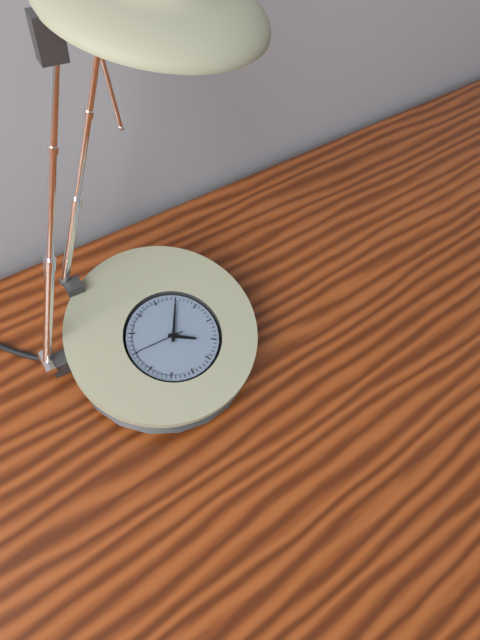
h=4 m=5 s=45
